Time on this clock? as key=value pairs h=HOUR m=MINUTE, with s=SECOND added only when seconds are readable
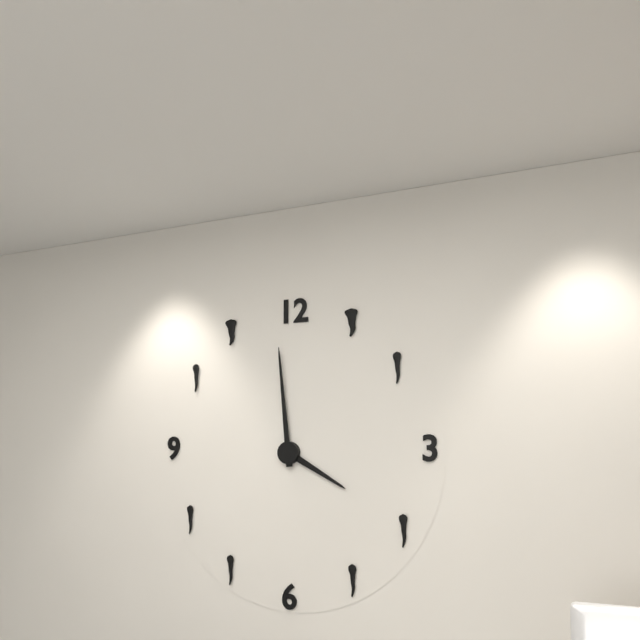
h=3 m=59
